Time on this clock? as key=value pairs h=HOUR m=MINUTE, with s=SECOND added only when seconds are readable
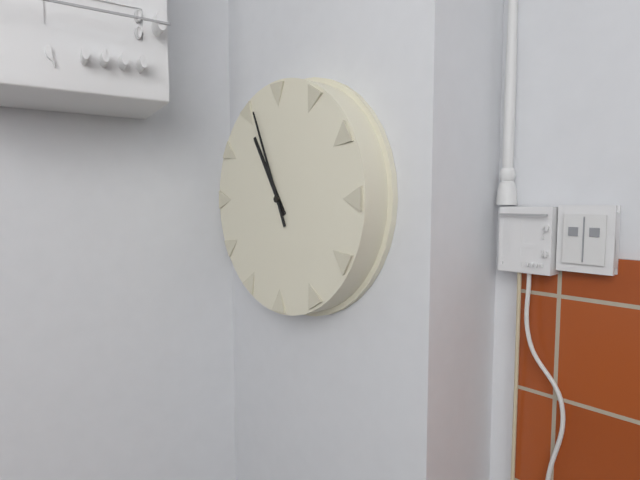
h=10 m=56
